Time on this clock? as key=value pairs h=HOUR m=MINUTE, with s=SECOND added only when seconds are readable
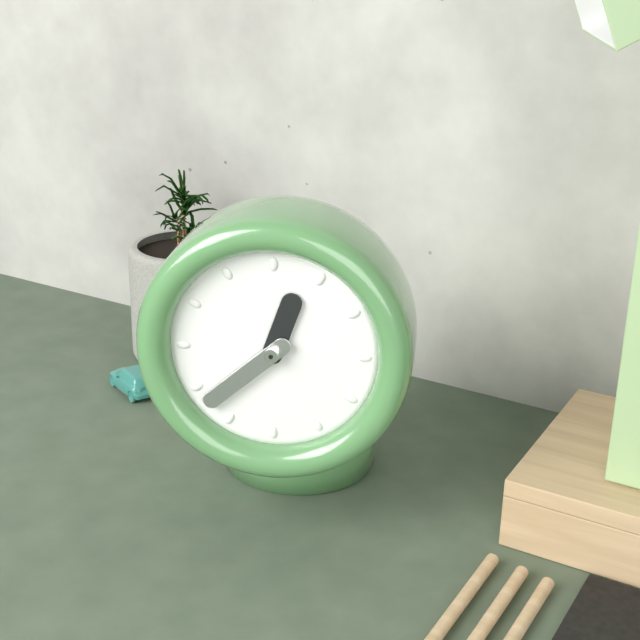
h=12 m=38
